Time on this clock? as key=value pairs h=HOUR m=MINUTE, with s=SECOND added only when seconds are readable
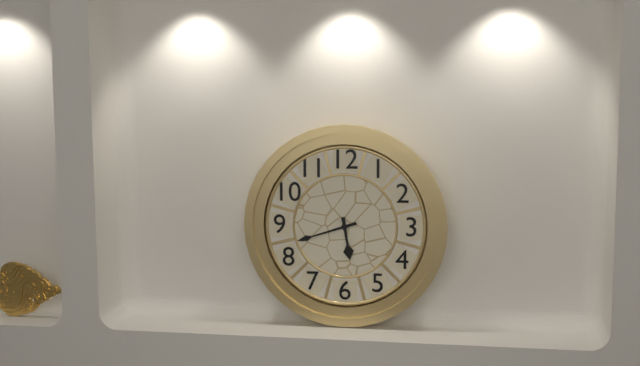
h=5 m=42
